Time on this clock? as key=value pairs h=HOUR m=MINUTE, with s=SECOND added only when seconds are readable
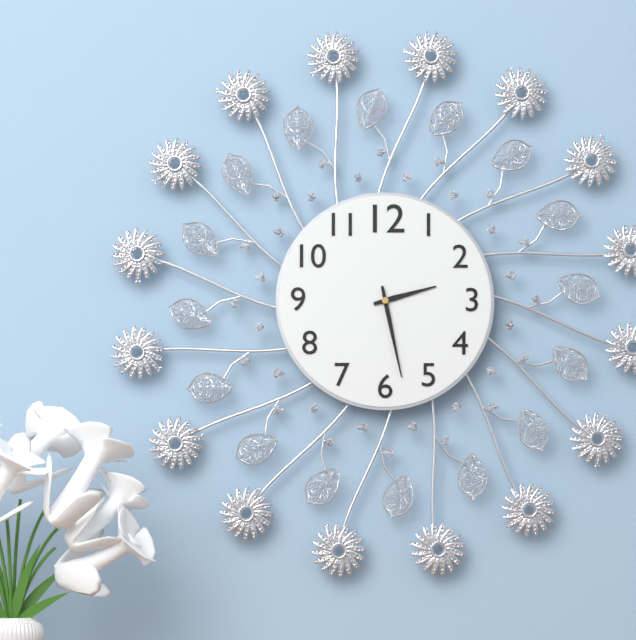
h=2 m=28
